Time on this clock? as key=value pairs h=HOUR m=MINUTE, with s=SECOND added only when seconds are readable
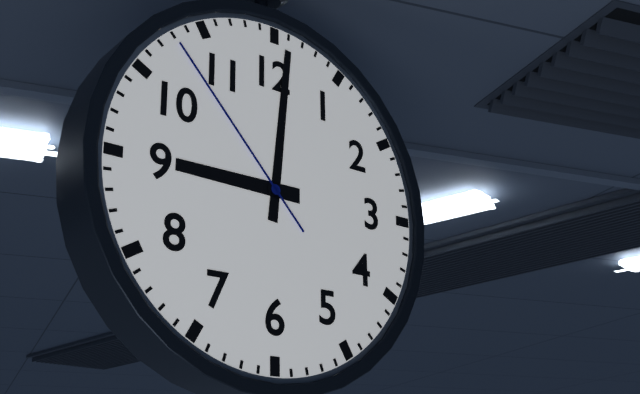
h=9 m=1 s=53
